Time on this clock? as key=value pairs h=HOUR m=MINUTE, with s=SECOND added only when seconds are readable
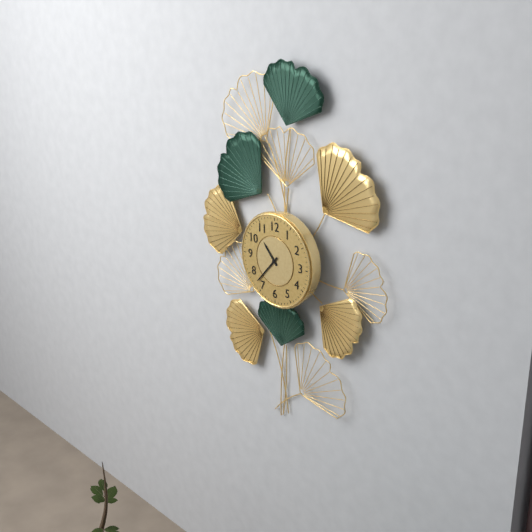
h=10 m=37
